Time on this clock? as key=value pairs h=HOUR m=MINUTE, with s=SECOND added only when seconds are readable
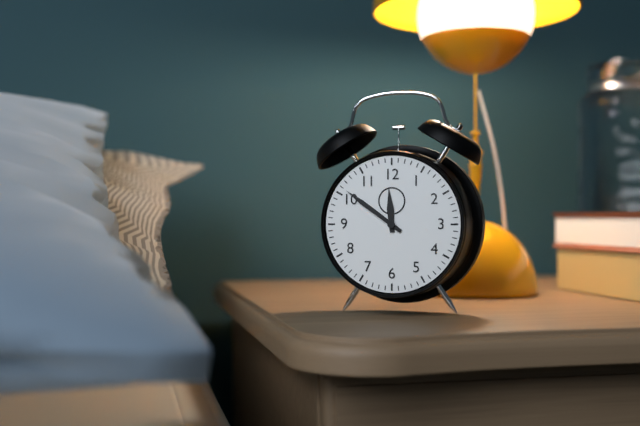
h=11 m=51
